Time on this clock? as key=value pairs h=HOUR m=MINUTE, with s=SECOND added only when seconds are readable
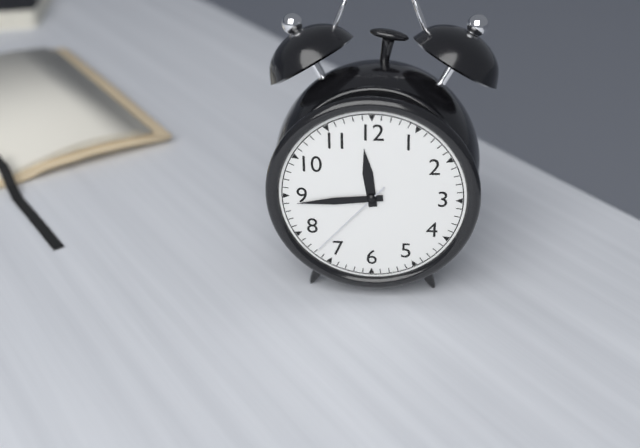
h=11 m=44 s=37
